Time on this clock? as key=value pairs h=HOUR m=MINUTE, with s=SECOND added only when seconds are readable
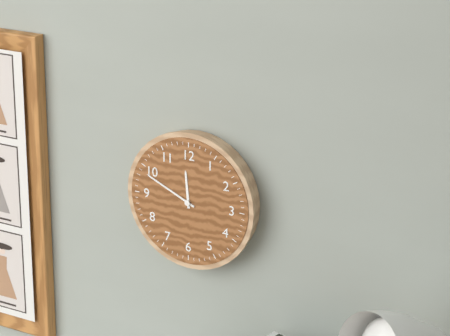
h=11 m=49
